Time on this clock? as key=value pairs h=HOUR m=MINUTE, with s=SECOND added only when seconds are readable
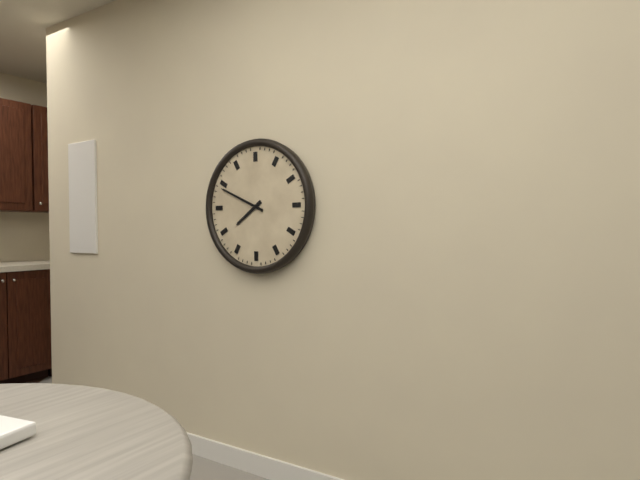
h=7 m=49
